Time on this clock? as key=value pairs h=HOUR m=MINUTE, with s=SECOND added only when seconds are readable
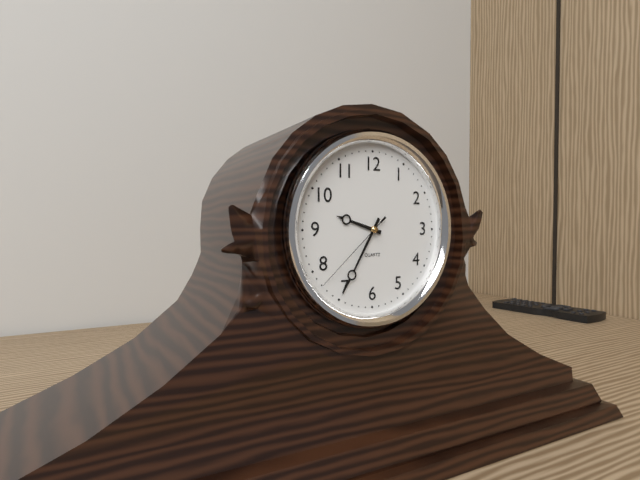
h=9 m=35 s=38
